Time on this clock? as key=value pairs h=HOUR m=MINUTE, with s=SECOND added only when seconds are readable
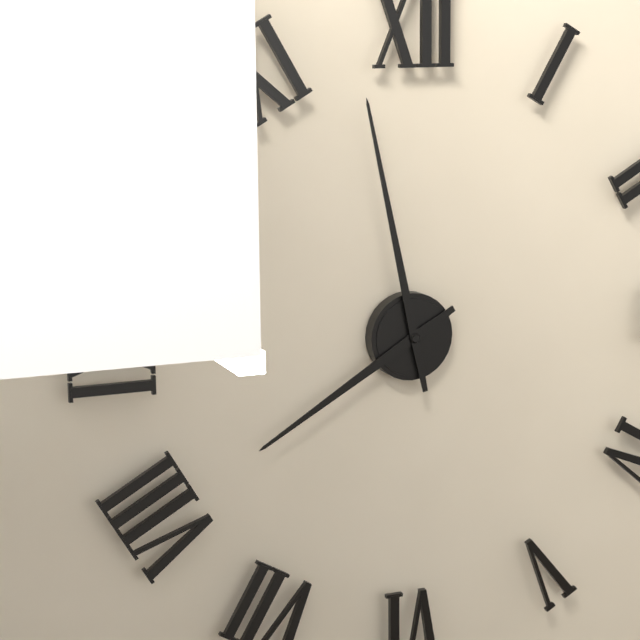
h=7 m=58
